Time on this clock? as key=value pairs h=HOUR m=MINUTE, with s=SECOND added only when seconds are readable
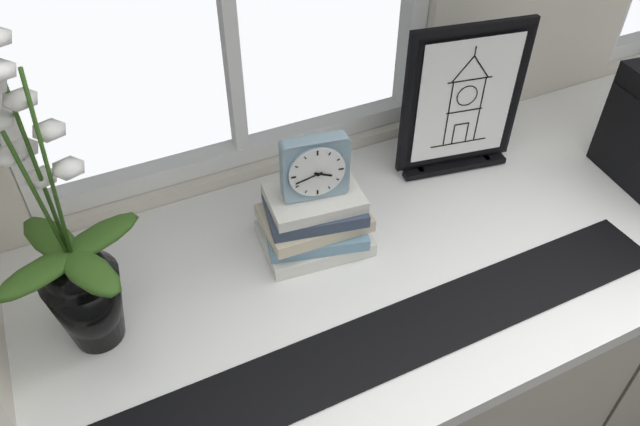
h=3 m=42
